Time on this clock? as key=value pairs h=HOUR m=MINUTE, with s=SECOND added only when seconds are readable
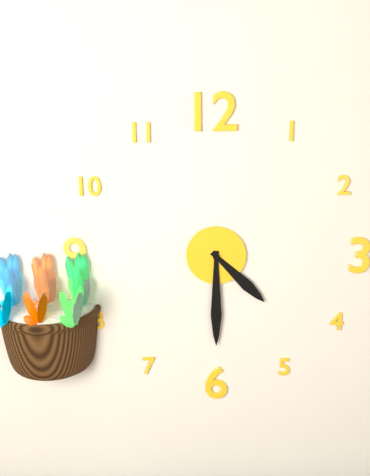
h=4 m=30
